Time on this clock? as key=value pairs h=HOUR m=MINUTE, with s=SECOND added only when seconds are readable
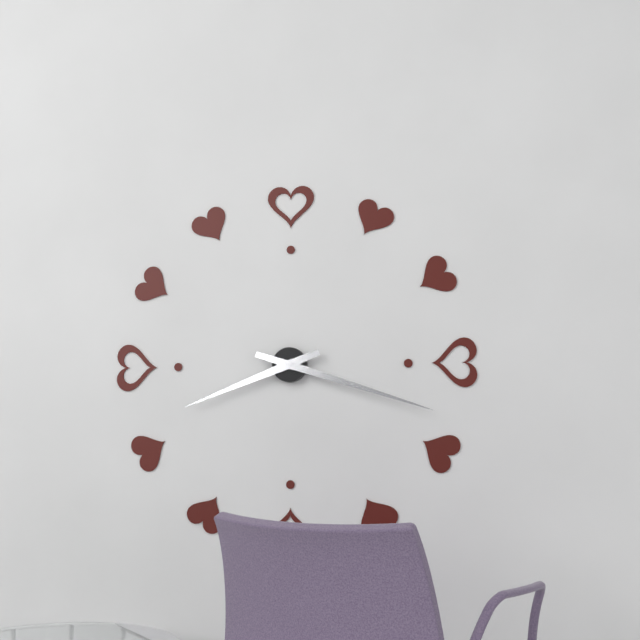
h=8 m=18
